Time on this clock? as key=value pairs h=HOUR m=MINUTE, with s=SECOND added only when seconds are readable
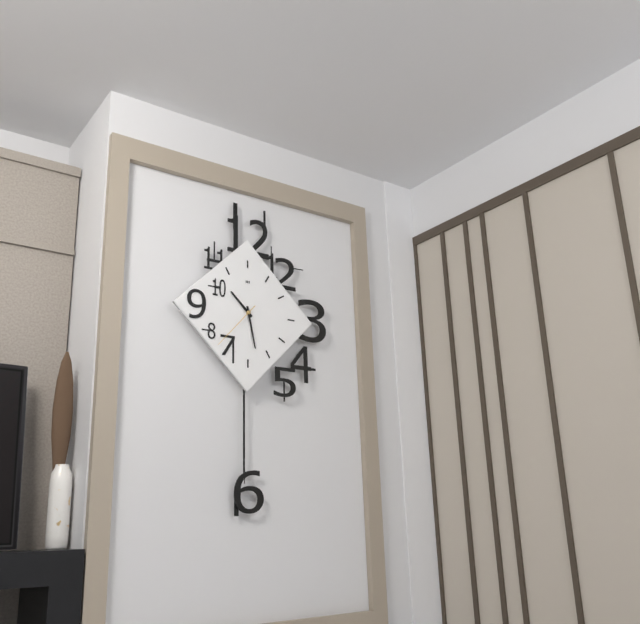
h=10 m=28
